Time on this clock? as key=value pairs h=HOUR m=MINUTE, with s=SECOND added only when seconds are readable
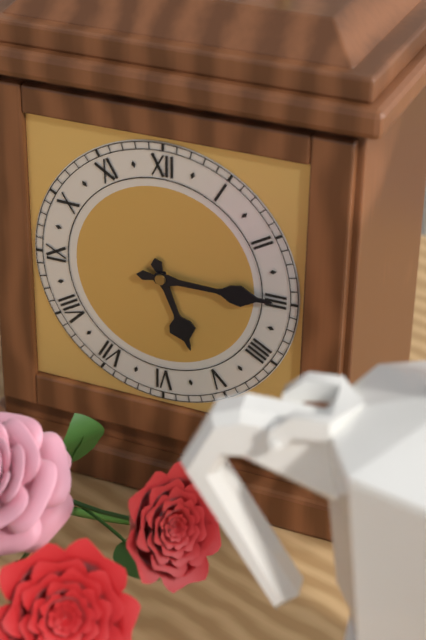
h=5 m=15
